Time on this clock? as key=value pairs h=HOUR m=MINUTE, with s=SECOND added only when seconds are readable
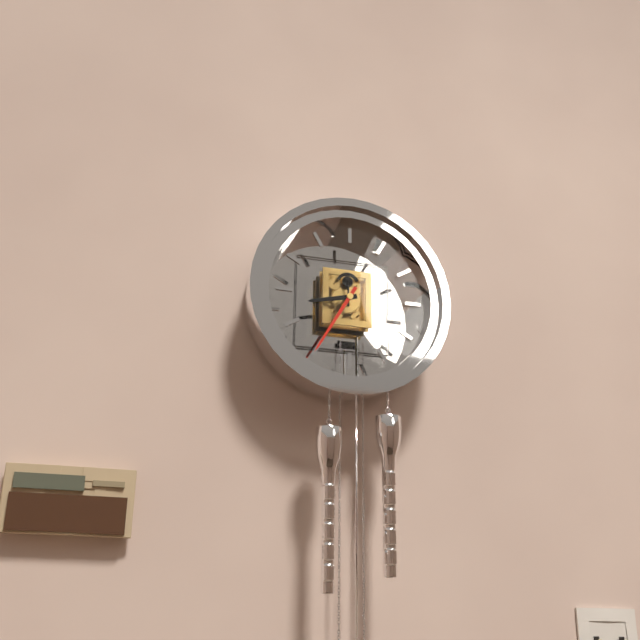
h=8 m=35
